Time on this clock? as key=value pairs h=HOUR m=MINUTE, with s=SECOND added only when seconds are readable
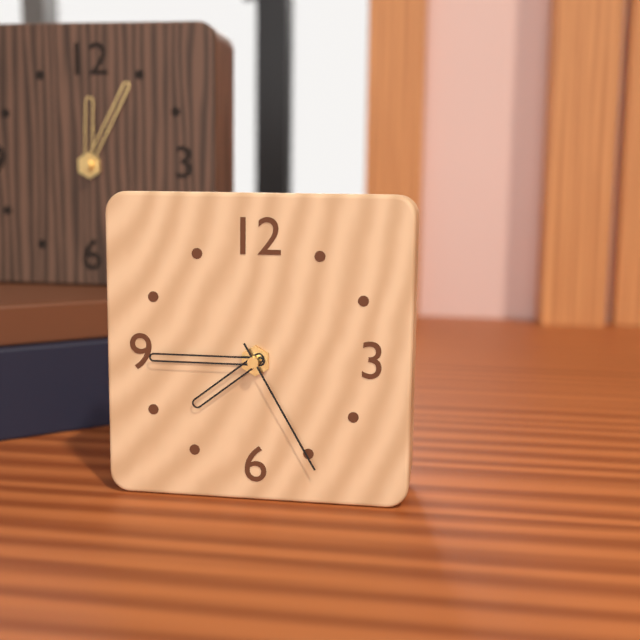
h=7 m=45 s=25
